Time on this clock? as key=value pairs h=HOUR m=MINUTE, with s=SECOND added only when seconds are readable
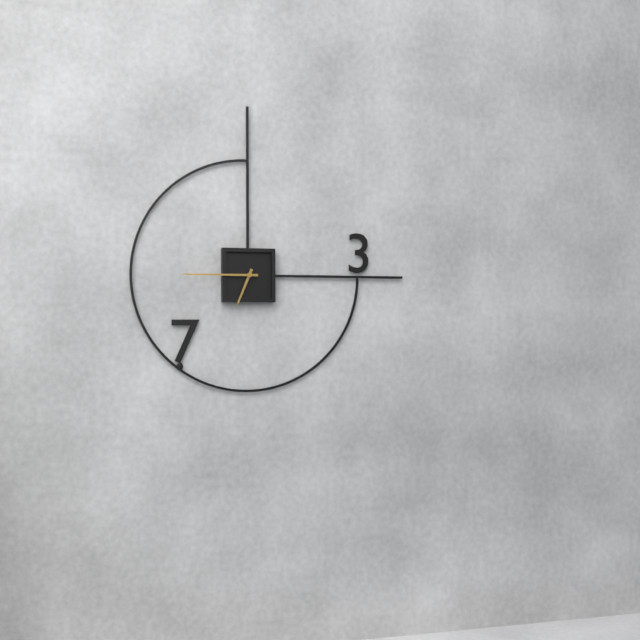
h=6 m=45
